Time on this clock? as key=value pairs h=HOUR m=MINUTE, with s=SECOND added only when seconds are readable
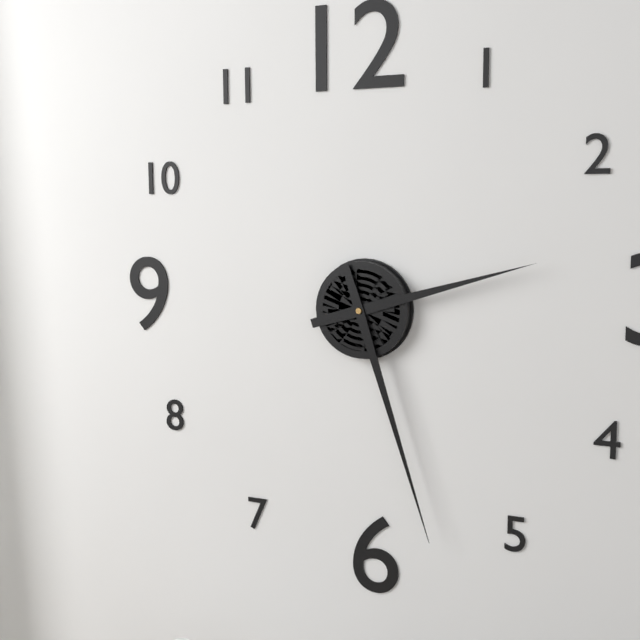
h=2 m=27
